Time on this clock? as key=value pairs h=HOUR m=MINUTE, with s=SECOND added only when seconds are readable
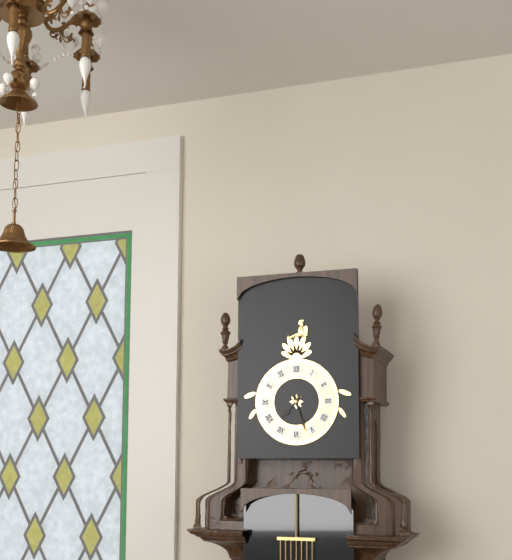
h=7 m=27
